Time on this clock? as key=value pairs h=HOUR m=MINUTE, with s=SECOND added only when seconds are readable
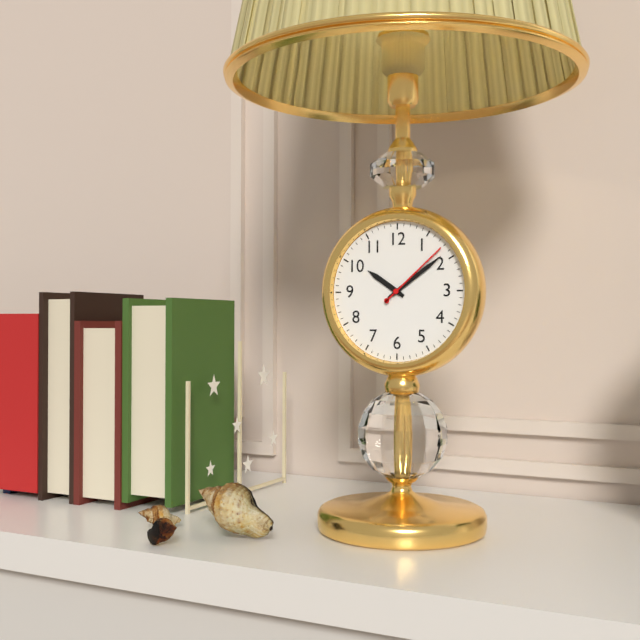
h=10 m=9 s=8
